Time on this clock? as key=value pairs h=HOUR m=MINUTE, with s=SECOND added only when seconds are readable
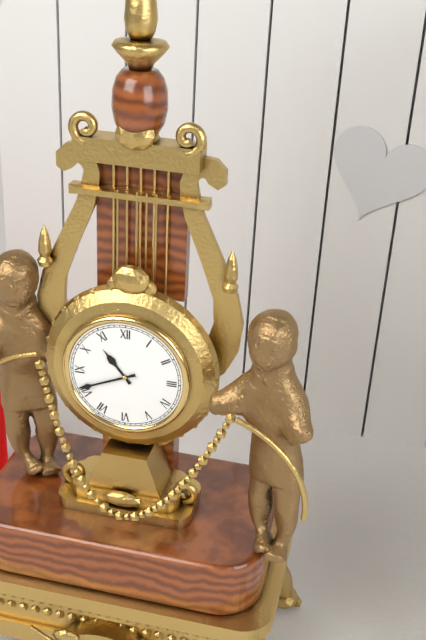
h=10 m=41
